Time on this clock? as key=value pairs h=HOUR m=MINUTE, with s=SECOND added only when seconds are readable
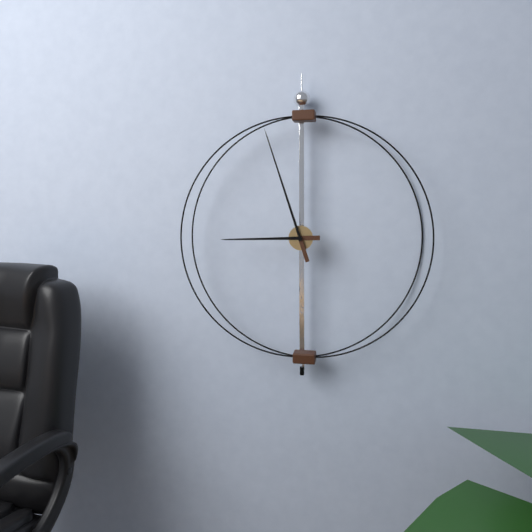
h=8 m=57
